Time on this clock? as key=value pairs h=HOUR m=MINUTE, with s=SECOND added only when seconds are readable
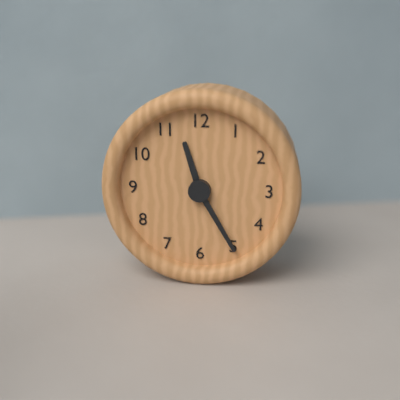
h=11 m=25
